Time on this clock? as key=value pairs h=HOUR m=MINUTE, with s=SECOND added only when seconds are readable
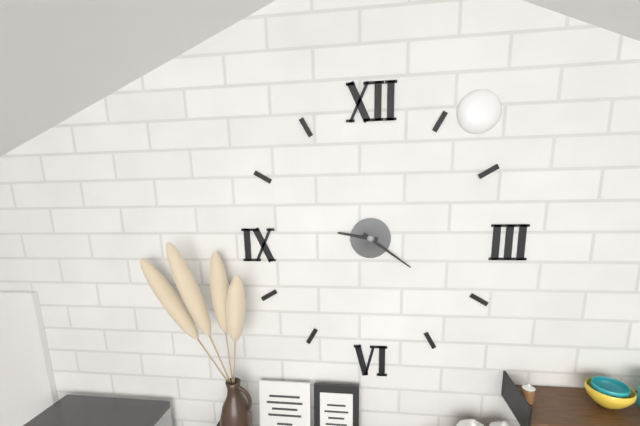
h=9 m=21
